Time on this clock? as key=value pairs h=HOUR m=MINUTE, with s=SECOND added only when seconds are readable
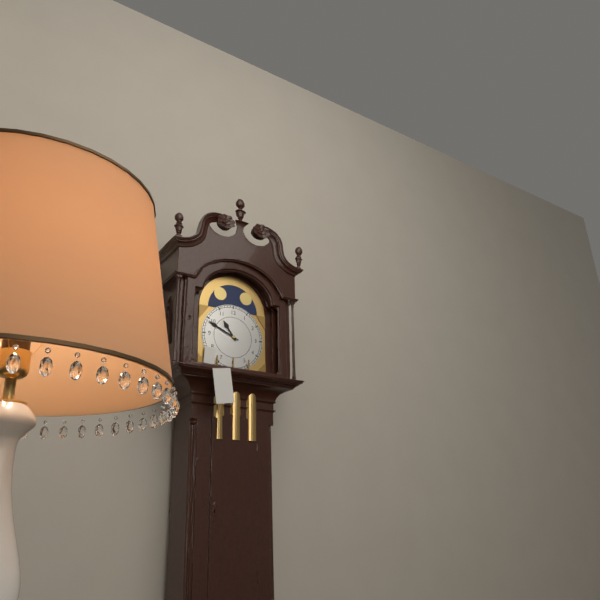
h=10 m=49
